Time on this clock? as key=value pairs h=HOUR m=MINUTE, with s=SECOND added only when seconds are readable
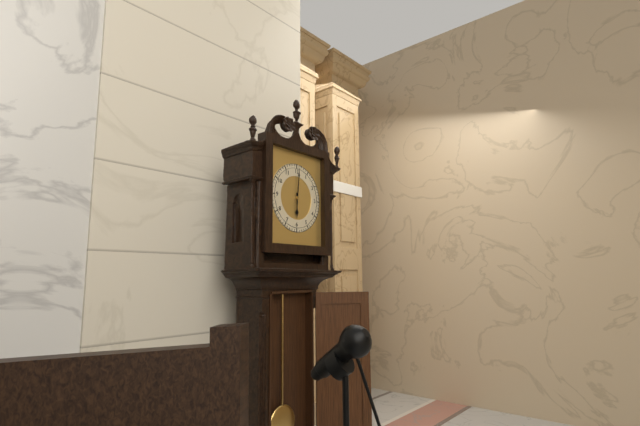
h=6 m=1
